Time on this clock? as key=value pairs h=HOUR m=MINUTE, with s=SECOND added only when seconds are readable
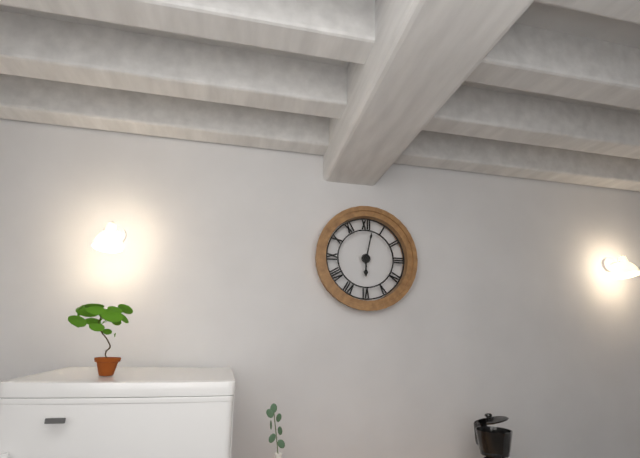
h=6 m=2
